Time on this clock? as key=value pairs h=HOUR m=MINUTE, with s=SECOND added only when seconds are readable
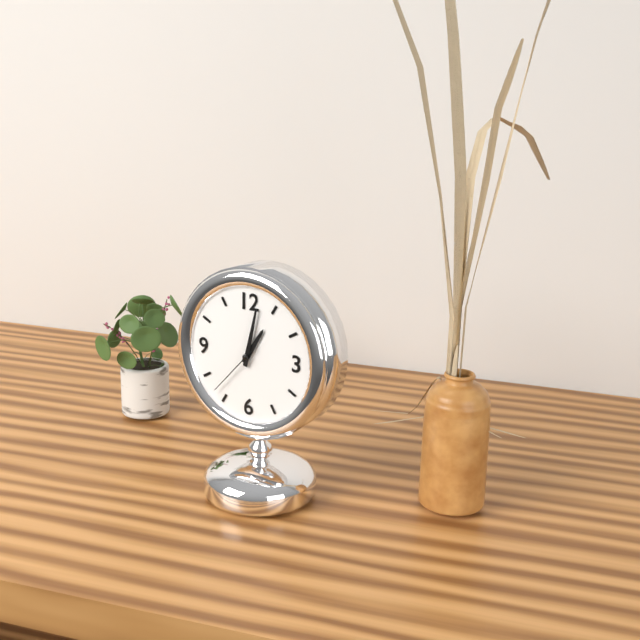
h=1 m=2 s=37
